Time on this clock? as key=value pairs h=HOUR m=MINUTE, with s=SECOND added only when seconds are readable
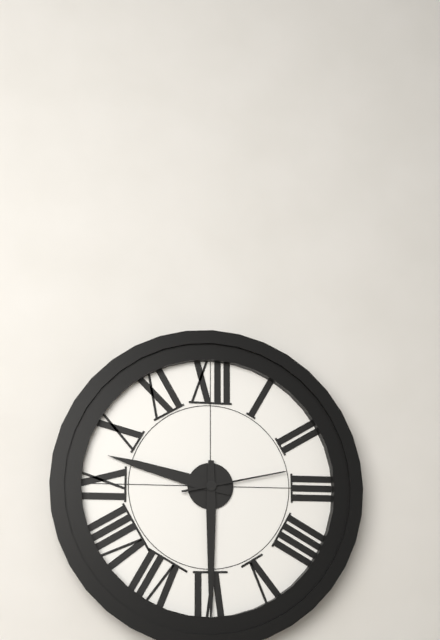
h=9 m=30 s=13
